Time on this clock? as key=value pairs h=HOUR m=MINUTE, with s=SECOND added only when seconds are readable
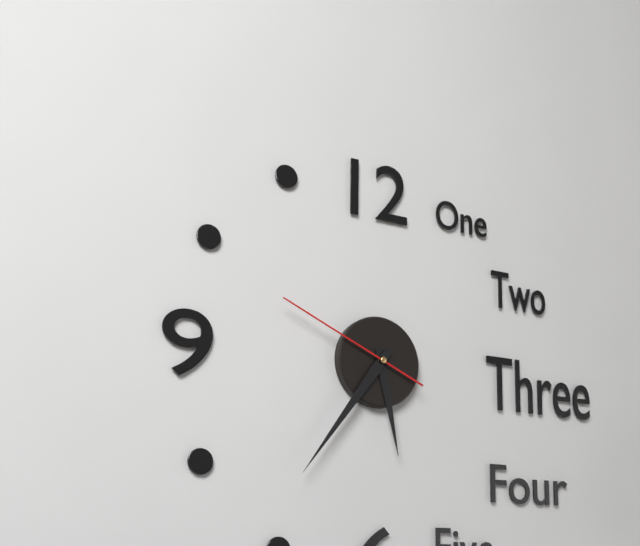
h=5 m=36 s=49
